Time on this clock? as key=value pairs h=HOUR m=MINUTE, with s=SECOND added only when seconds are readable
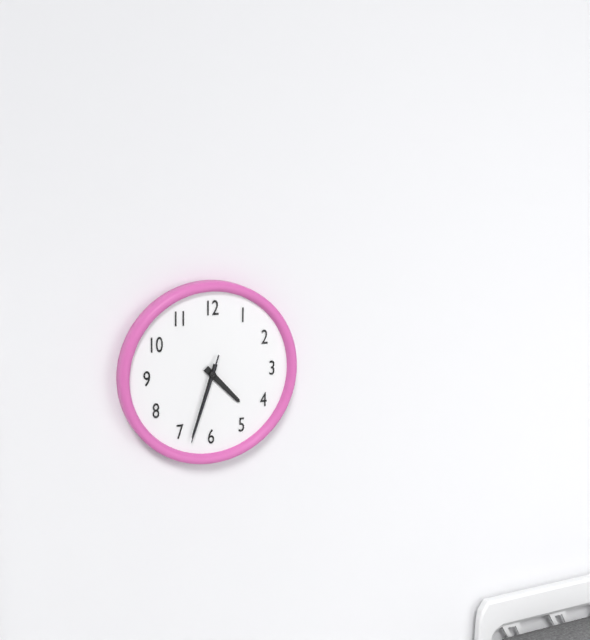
h=4 m=33 s=33
